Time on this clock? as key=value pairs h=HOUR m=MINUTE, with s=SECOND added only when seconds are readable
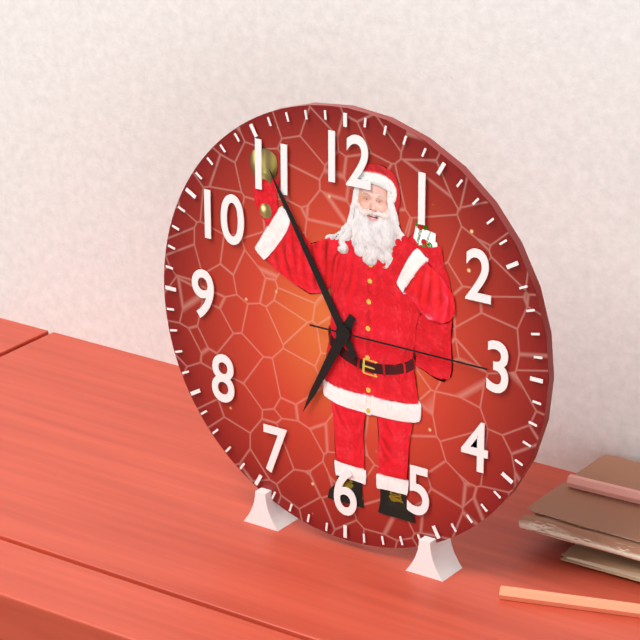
h=6 m=55 s=15
